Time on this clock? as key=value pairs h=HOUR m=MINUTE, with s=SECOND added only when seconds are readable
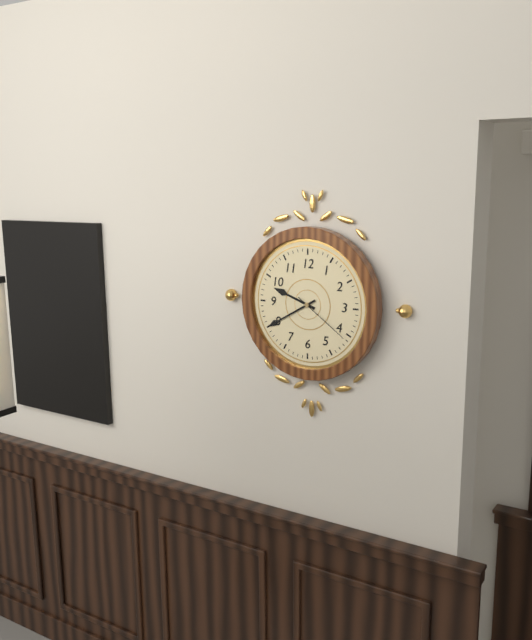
h=9 m=40 s=21
